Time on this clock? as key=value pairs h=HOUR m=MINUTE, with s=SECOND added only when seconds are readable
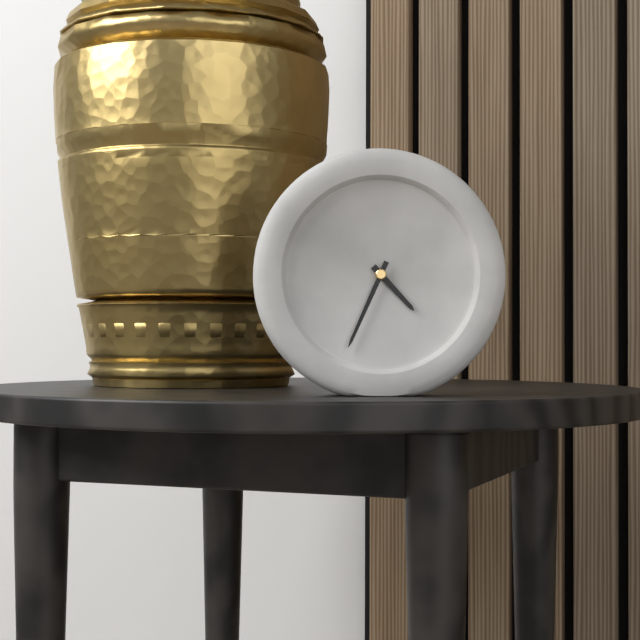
h=4 m=34
